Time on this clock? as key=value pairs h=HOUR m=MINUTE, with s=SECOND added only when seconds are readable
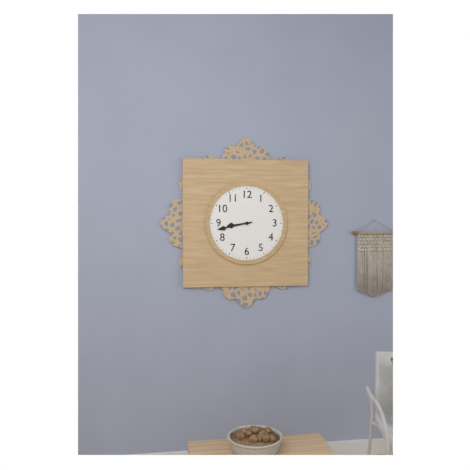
h=8 m=43
